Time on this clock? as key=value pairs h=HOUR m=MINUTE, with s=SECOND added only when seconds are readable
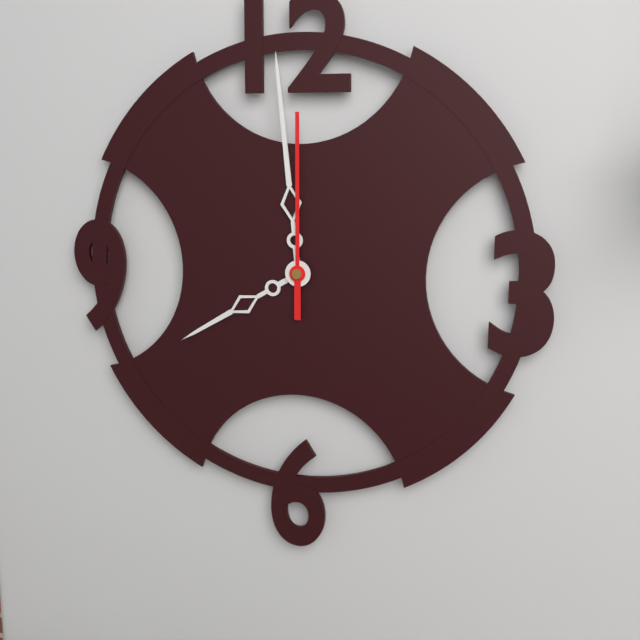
h=7 m=59 s=0
